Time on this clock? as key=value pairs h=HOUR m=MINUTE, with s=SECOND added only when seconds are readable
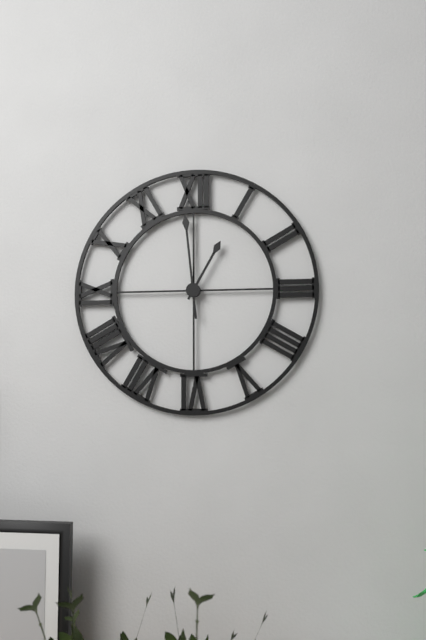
h=12 m=59
